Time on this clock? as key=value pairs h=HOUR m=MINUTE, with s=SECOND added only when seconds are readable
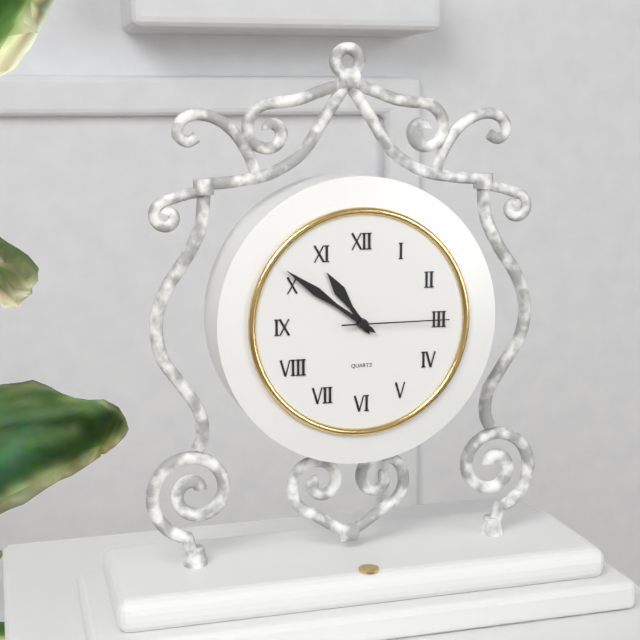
h=10 m=51 s=15
